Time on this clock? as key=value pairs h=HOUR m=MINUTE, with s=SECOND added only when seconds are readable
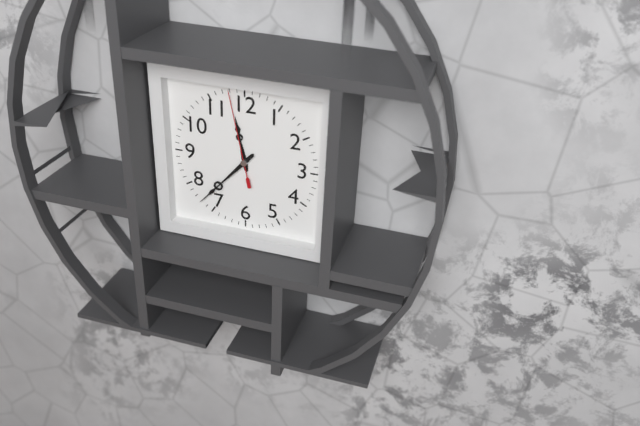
h=11 m=37 s=58
